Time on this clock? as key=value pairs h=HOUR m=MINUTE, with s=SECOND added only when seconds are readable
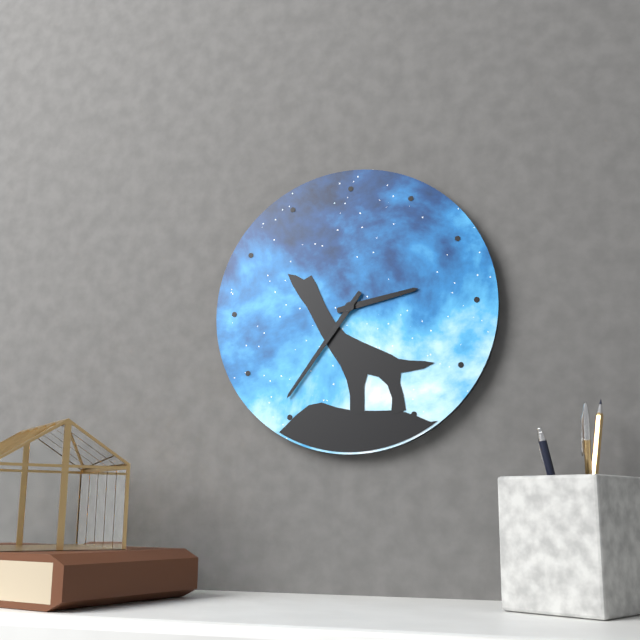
h=2 m=36
